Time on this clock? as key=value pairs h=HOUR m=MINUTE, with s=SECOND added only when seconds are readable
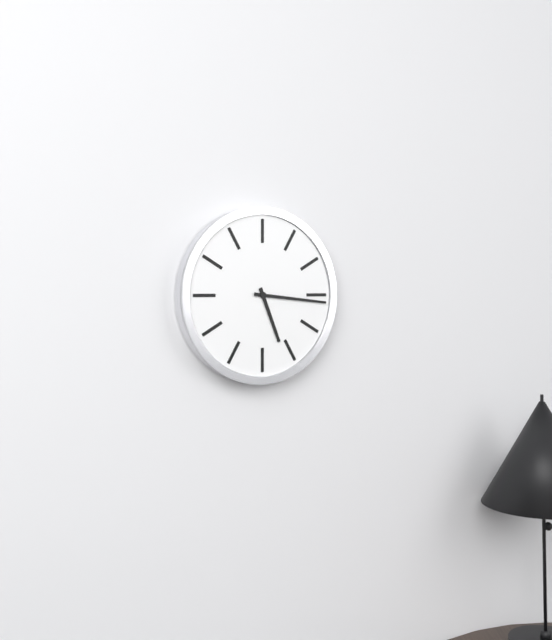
h=5 m=16
